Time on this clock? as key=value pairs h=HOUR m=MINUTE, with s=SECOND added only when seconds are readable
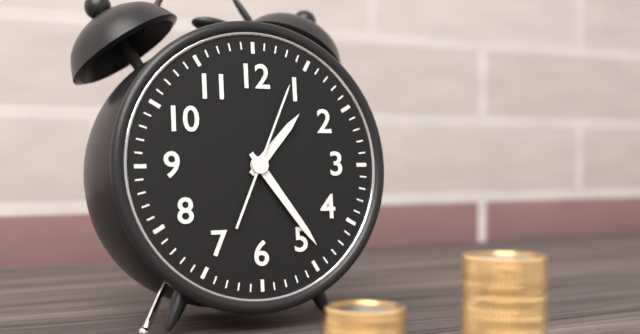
h=1 m=24 s=4
